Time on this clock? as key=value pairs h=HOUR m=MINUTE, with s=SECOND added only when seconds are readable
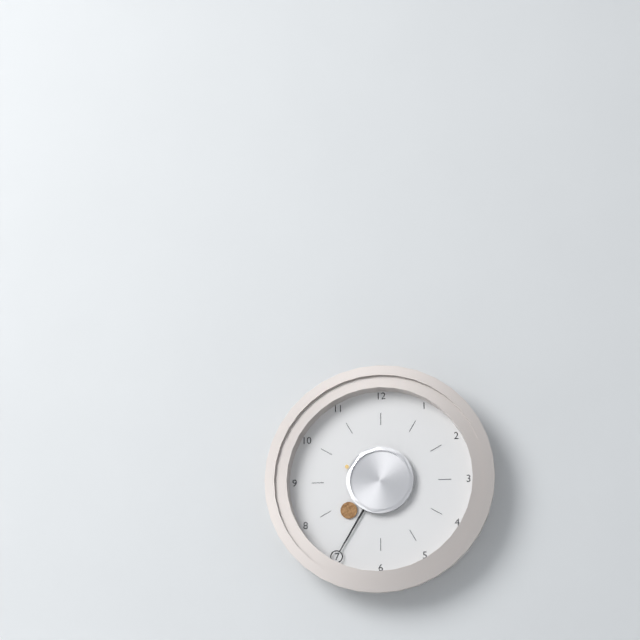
h=7 m=35
